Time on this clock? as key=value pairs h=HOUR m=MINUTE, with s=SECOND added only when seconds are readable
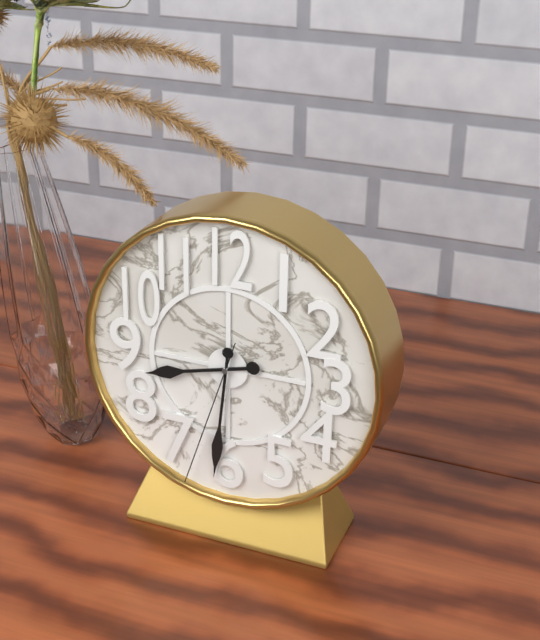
h=8 m=31 s=33
